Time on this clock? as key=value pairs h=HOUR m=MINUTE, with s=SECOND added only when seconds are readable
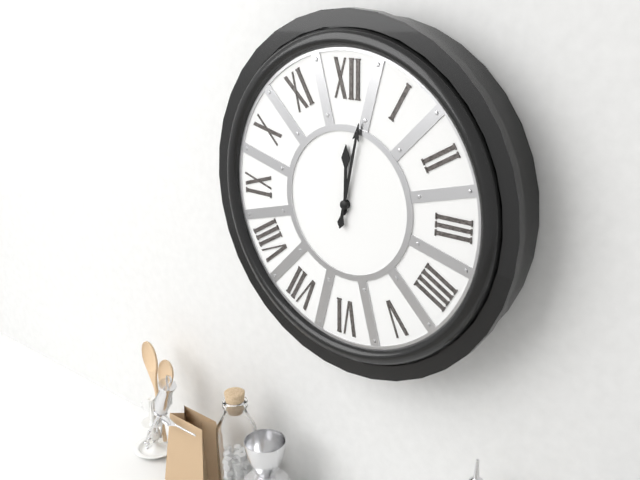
h=12 m=2
